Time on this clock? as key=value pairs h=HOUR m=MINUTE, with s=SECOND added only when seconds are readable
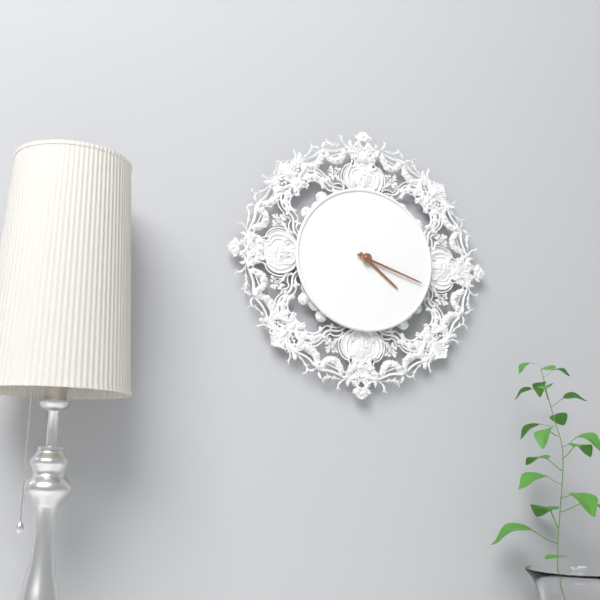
h=4 m=18
